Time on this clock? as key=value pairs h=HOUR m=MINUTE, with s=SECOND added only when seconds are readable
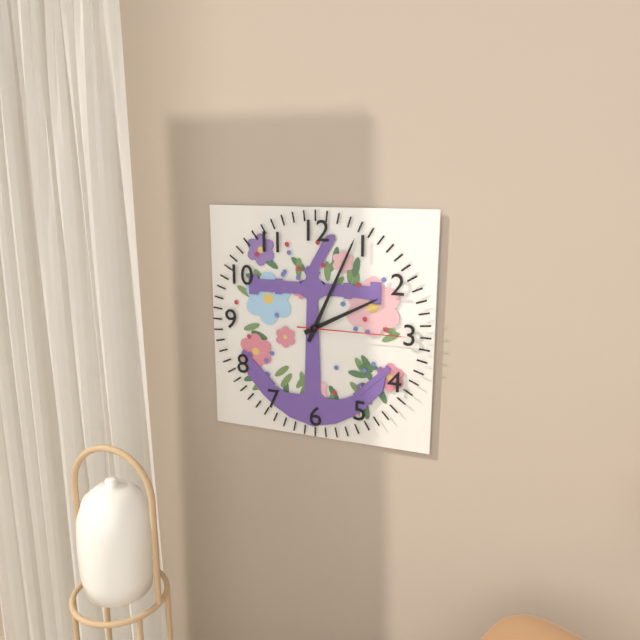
h=2 m=4 s=15
